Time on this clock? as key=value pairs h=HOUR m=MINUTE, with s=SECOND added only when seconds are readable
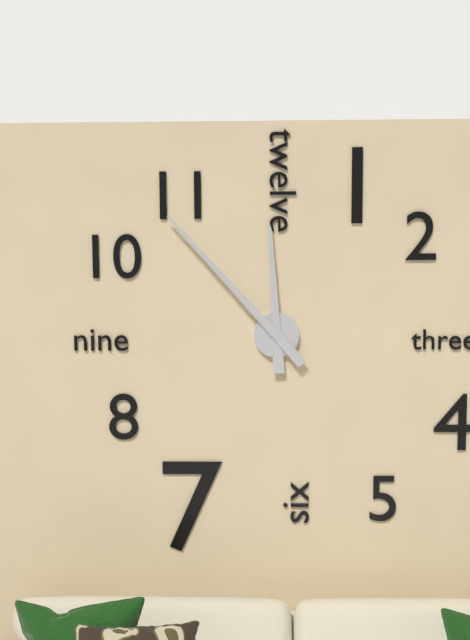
h=11 m=53
